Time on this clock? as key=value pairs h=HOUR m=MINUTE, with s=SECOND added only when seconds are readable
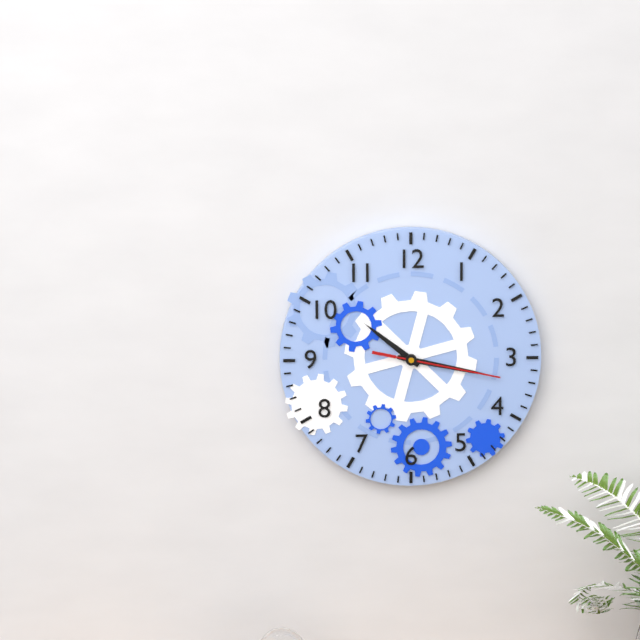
h=10 m=17 s=17
